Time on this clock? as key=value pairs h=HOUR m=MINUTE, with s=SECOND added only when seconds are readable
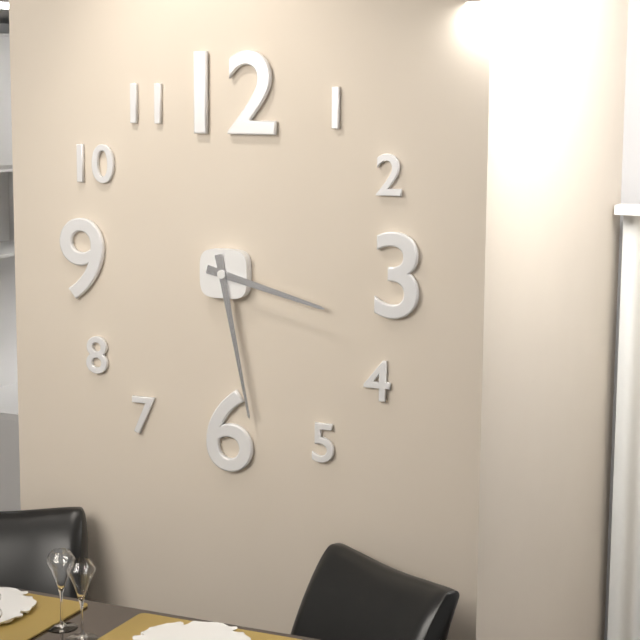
h=3 m=28
